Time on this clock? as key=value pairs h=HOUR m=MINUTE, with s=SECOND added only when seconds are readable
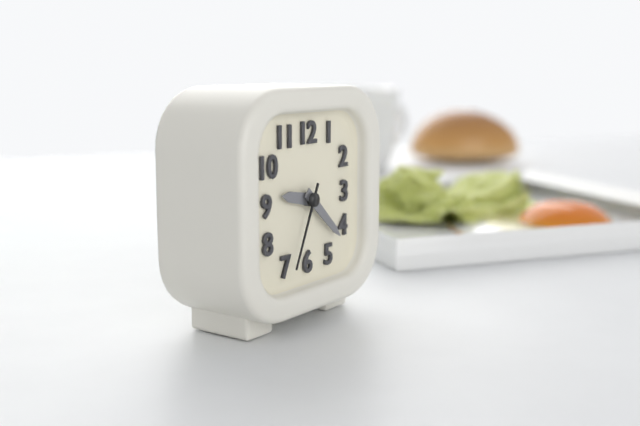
h=9 m=22 s=34
